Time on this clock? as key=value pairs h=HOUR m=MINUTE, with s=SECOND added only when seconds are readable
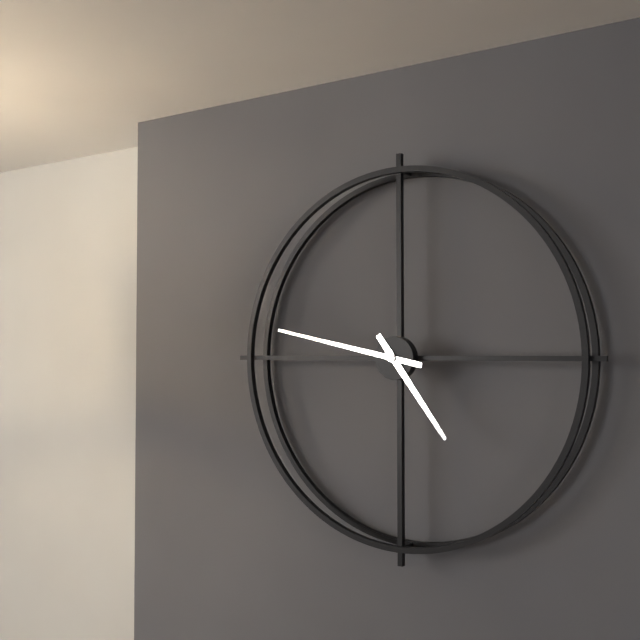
h=4 m=47
